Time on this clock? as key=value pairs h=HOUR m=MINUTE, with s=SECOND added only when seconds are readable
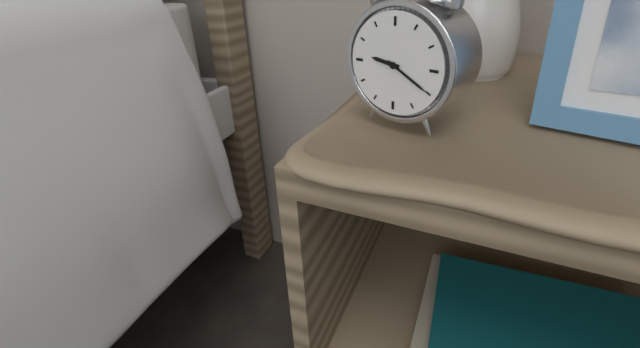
h=9 m=20
